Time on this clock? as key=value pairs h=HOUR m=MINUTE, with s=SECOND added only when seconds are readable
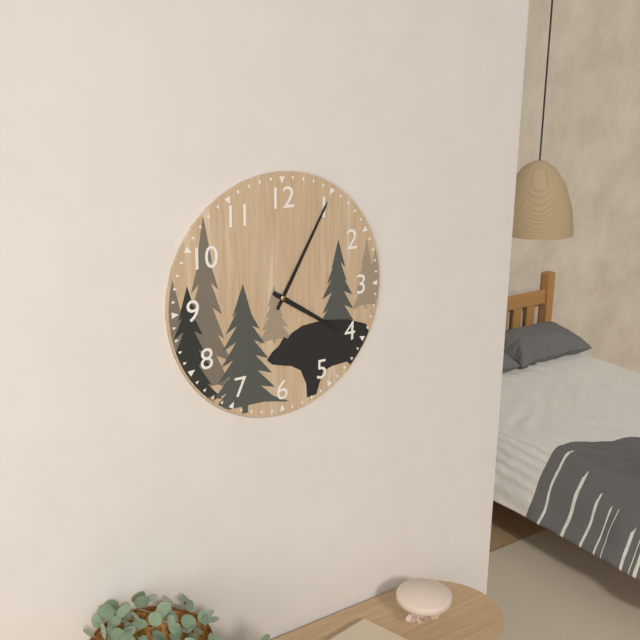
h=4 m=5
